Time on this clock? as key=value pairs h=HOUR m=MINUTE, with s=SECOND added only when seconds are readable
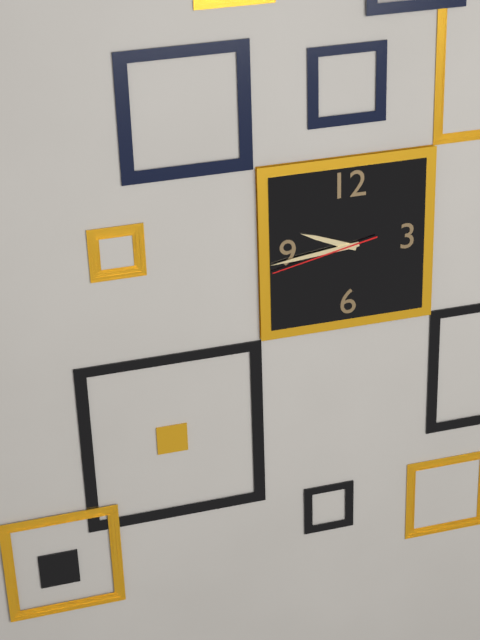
h=9 m=44 s=43
